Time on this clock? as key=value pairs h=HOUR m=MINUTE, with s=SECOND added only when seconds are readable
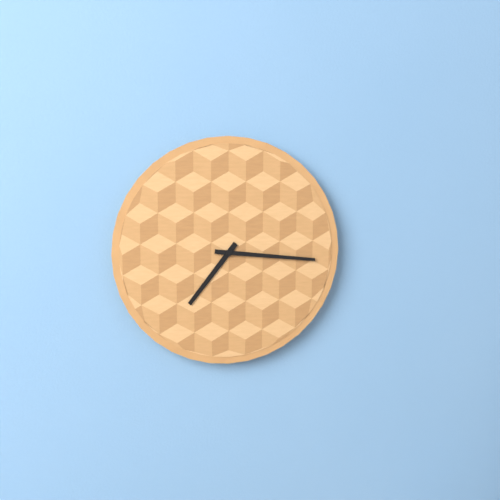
h=7 m=16
